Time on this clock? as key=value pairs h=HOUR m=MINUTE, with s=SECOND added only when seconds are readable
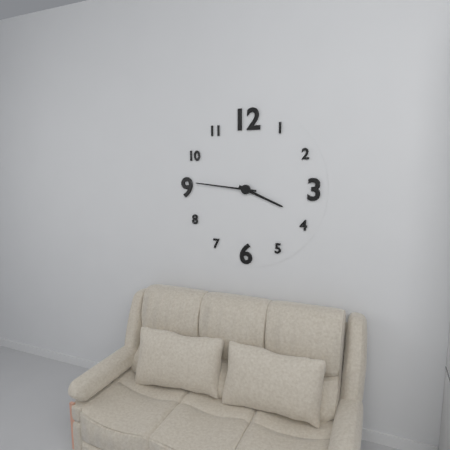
h=3 m=46
